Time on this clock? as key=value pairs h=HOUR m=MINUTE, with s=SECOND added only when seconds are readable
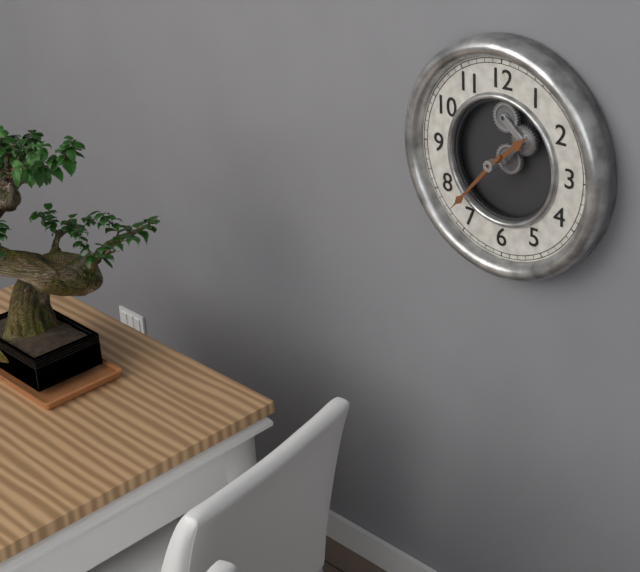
h=1 m=37
